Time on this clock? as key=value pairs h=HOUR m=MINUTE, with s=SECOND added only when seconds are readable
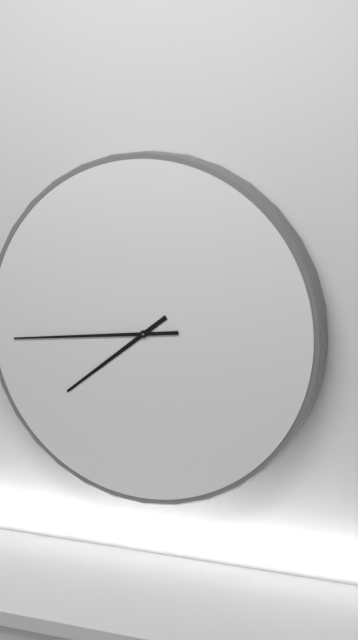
h=7 m=44
